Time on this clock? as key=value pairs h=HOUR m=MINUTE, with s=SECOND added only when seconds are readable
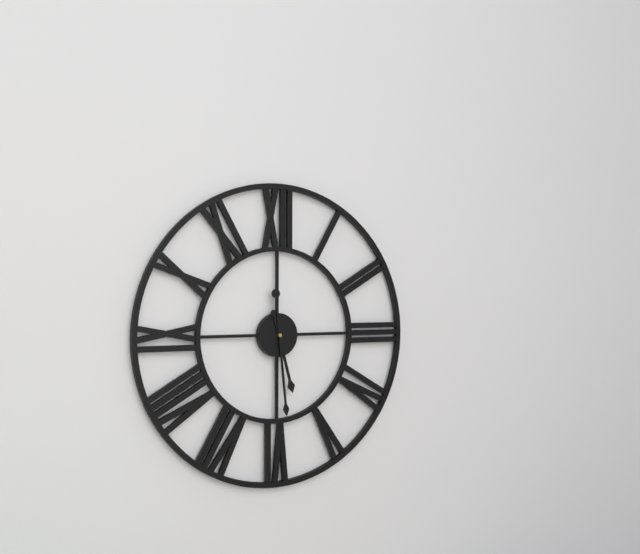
h=5 m=29
